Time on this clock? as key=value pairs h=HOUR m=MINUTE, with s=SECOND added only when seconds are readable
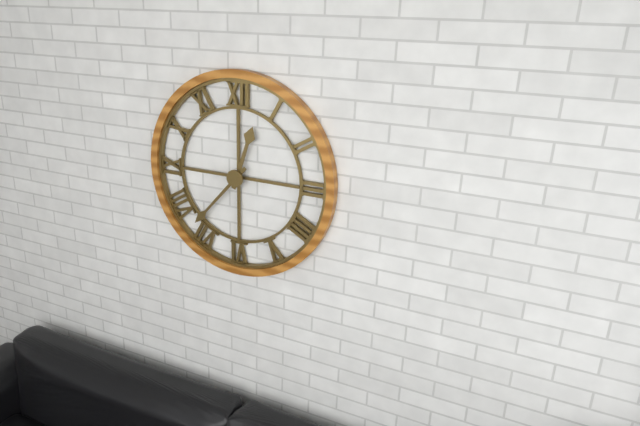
h=12 m=37
